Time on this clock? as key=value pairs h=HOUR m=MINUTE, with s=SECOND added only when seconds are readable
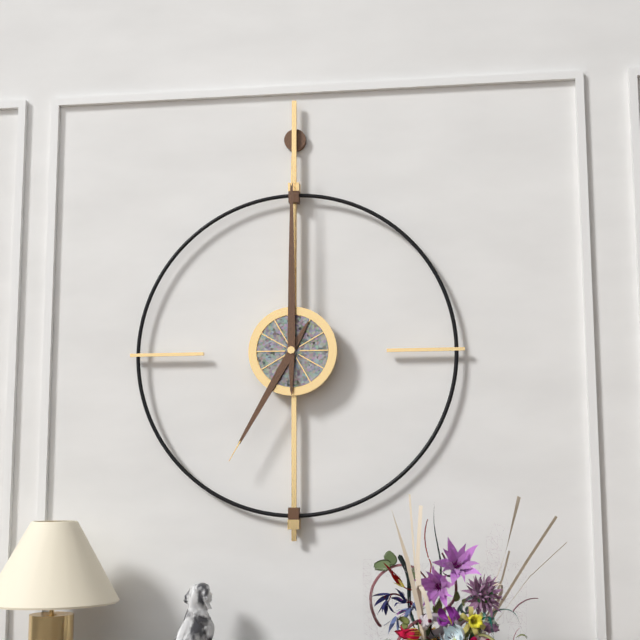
h=7 m=0
